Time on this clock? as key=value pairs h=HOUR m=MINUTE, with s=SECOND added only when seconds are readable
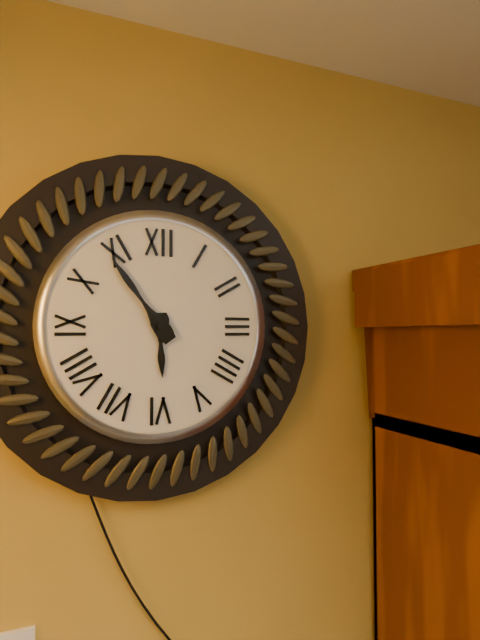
h=5 m=54
